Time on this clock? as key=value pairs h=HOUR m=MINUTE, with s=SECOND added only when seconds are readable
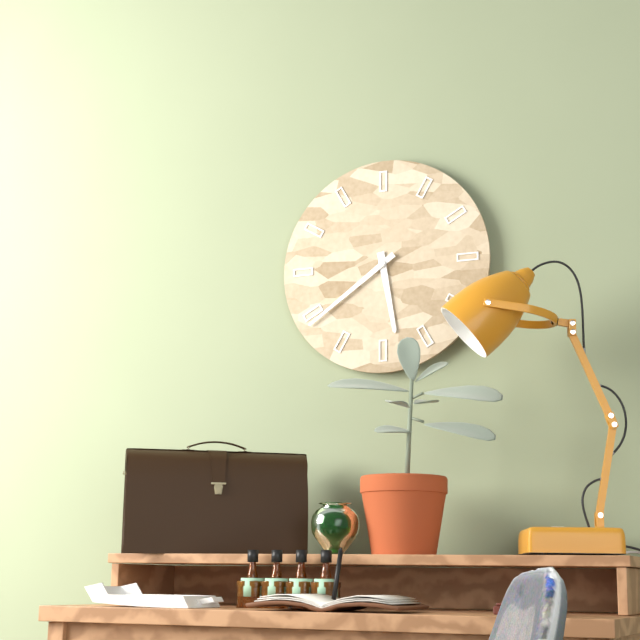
h=5 m=39
